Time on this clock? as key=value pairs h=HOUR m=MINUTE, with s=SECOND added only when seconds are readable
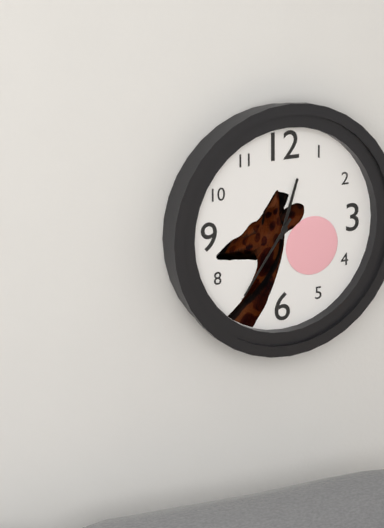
h=12 m=36
